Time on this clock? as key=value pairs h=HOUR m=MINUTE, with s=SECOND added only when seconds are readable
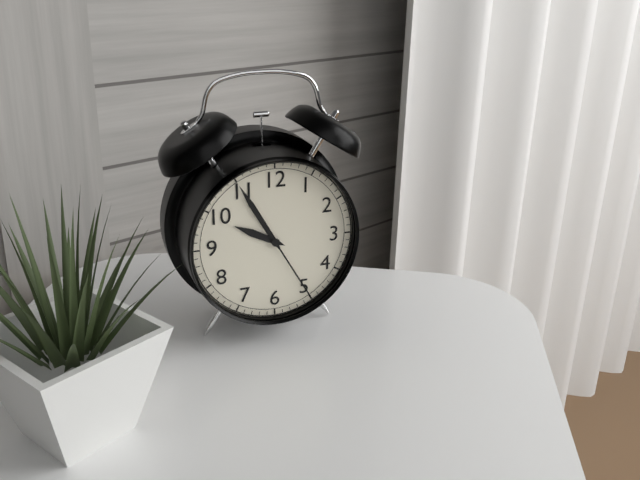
h=9 m=55 s=25
